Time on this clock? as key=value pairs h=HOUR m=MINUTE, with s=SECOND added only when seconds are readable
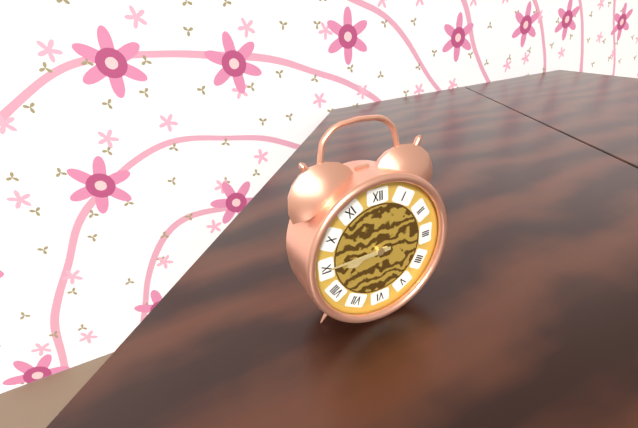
h=8 m=45
